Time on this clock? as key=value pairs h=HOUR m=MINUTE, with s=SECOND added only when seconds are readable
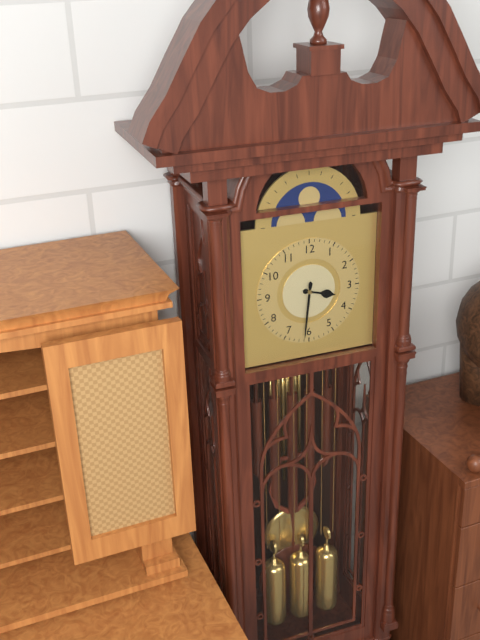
h=3 m=31
